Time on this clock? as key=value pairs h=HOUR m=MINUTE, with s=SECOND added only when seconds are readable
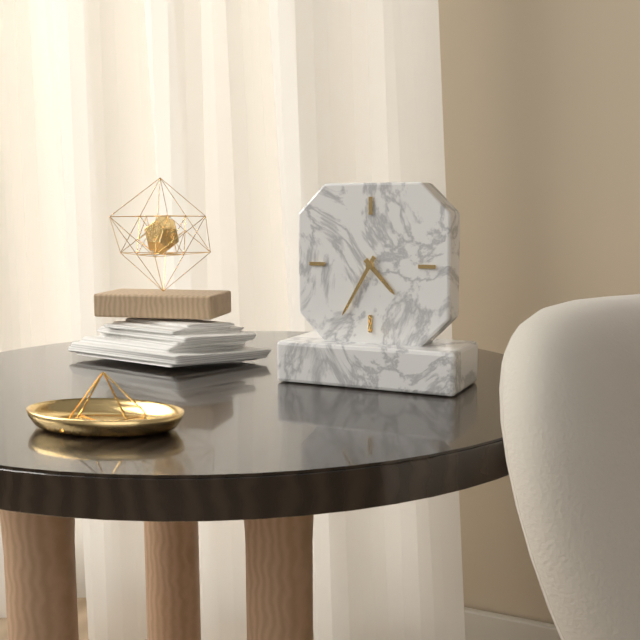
h=4 m=35
